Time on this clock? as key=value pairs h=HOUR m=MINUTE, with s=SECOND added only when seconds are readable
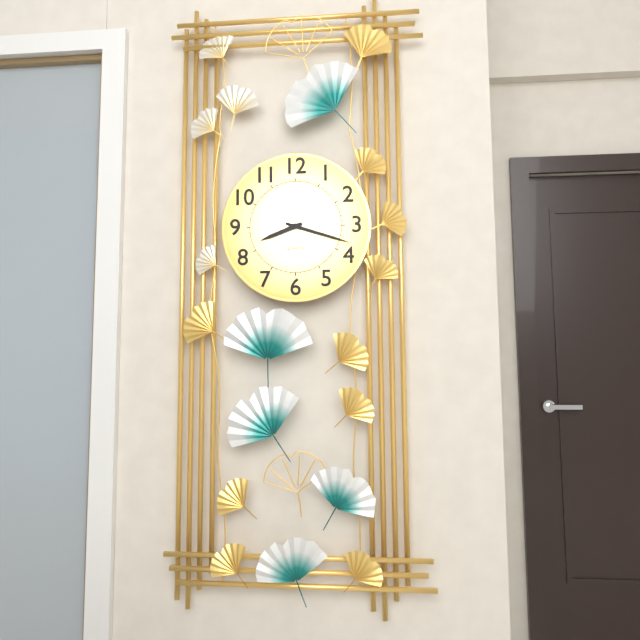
h=8 m=18
